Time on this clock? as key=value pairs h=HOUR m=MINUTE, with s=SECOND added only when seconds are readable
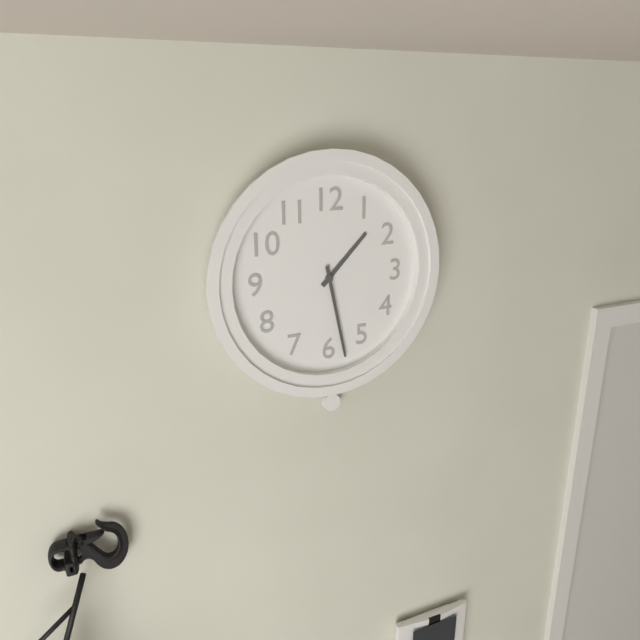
h=1 m=28
